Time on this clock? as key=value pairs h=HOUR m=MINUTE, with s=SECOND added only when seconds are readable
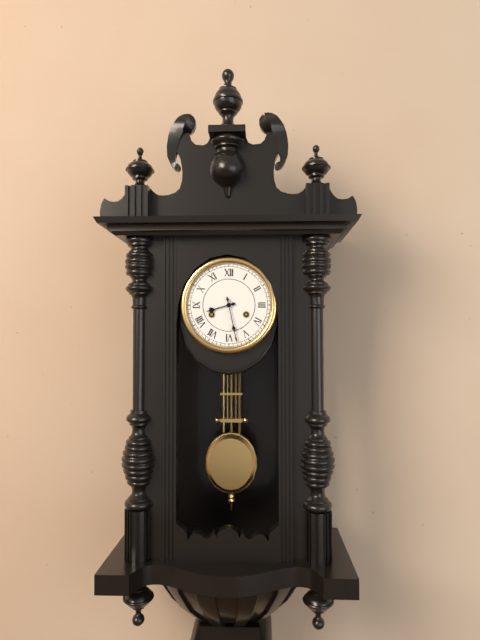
h=8 m=28
